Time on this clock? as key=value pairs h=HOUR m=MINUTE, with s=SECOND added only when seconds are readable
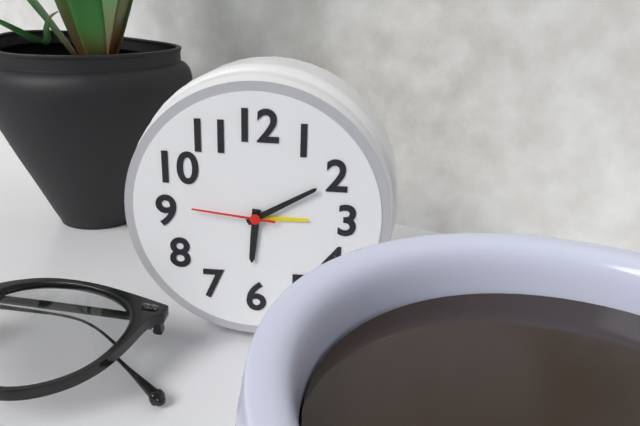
h=6 m=10 s=46
